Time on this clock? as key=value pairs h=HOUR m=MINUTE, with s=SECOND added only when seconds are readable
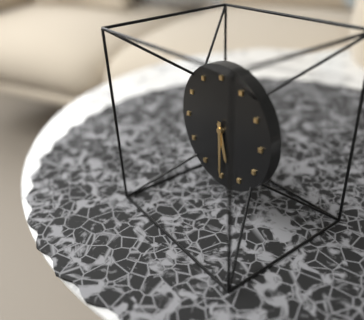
h=5 m=30
